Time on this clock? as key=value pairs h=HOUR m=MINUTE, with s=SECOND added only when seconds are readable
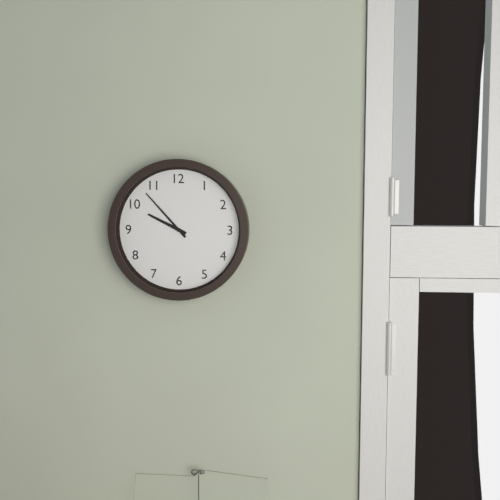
h=9 m=53
